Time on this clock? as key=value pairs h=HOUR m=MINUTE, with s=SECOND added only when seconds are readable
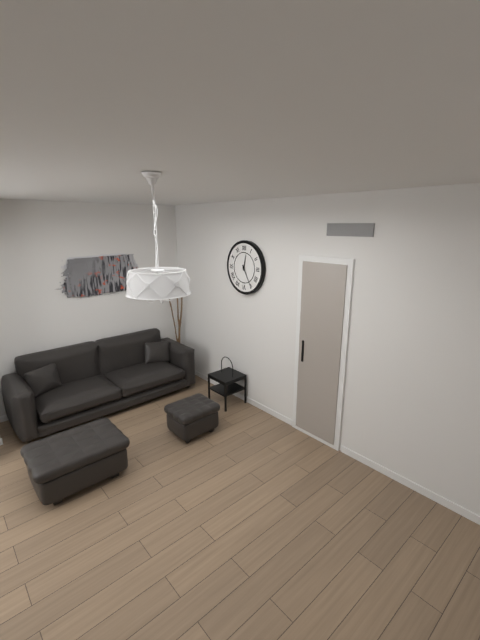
h=12 m=25
